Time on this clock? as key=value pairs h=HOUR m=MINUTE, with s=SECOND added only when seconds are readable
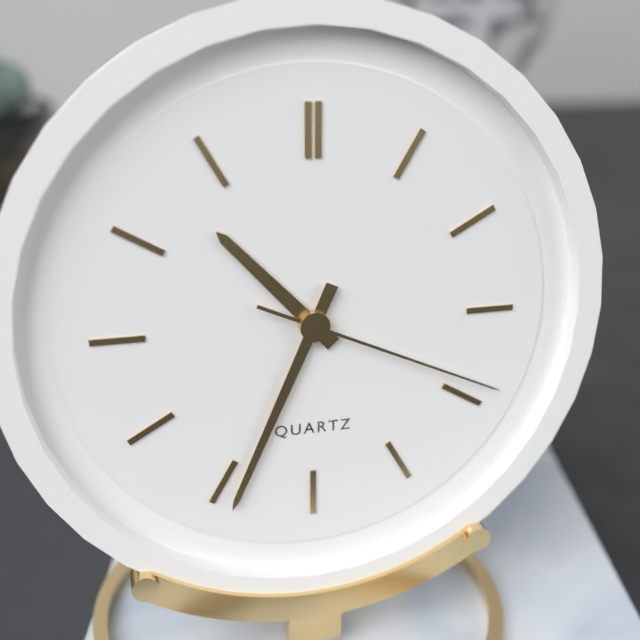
h=10 m=34 s=19
